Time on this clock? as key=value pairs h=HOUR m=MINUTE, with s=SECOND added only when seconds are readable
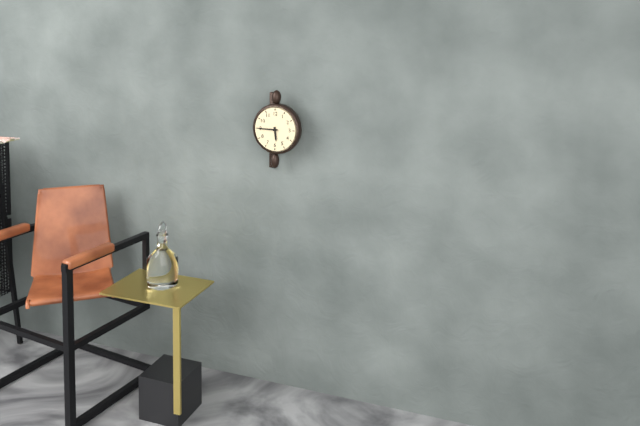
h=5 m=45
